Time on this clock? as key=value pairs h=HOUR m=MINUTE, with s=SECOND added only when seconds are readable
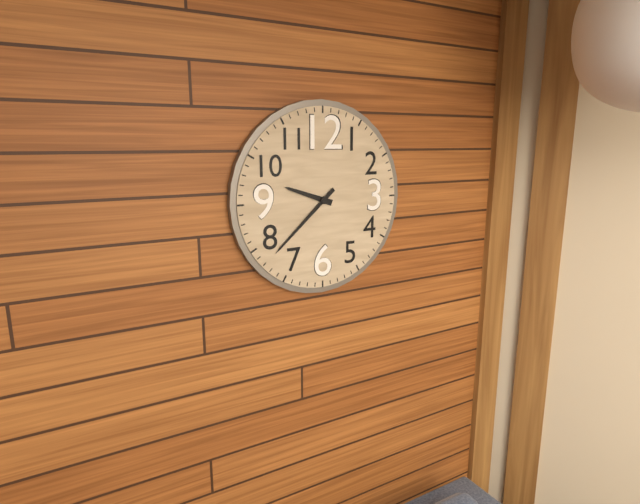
h=9 m=38
